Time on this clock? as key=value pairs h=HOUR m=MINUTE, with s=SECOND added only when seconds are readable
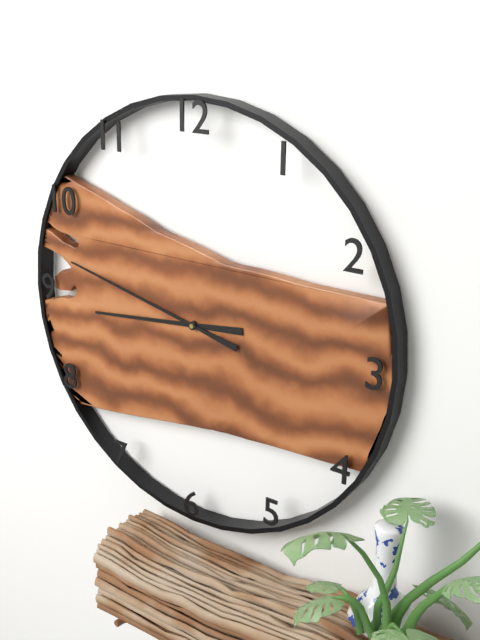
h=8 m=47
